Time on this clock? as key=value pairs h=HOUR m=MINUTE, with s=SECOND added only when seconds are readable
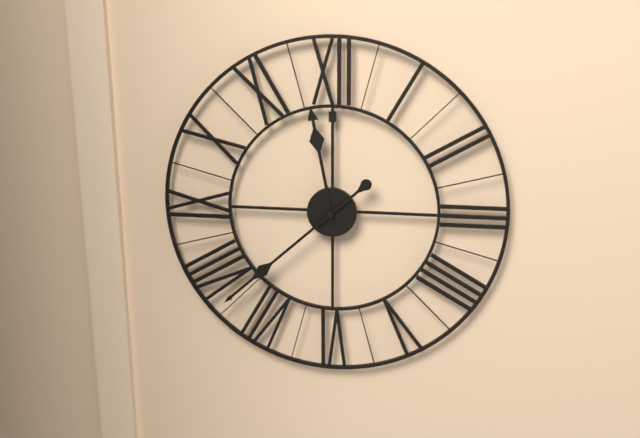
h=11 m=38
